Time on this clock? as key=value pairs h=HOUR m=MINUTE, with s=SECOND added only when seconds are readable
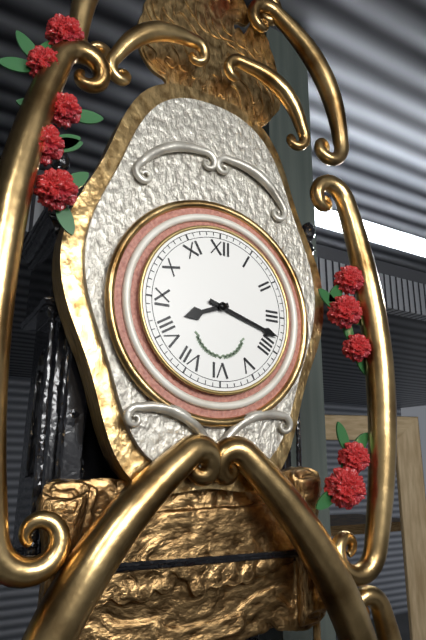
h=8 m=18
